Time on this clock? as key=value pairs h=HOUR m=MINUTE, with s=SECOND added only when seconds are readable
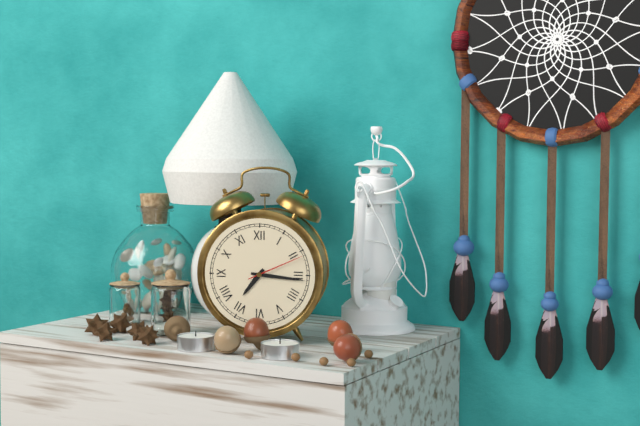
h=7 m=16 s=11
